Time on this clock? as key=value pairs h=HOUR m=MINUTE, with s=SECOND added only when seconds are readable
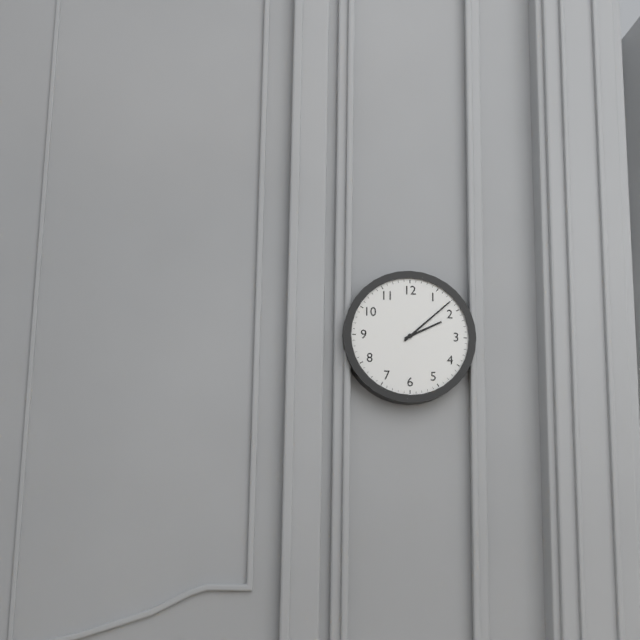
h=2 m=8
